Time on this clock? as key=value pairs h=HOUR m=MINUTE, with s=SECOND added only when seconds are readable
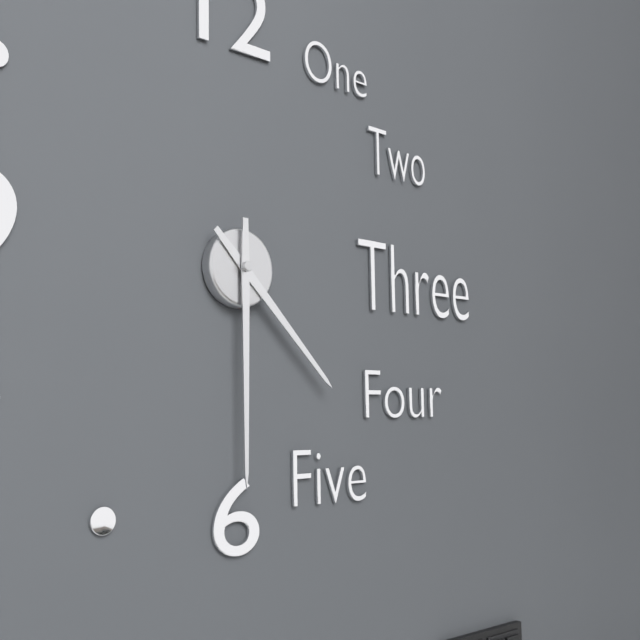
h=4 m=30
